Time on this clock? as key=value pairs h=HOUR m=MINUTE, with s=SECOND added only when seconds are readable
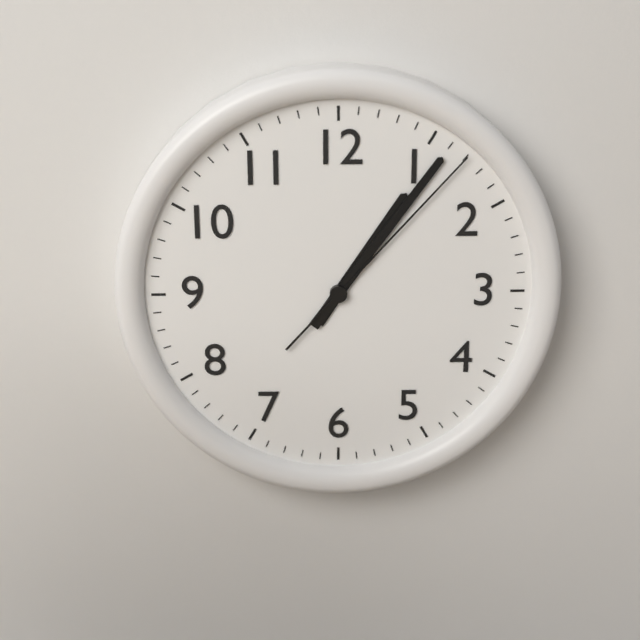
h=1 m=6 s=7
